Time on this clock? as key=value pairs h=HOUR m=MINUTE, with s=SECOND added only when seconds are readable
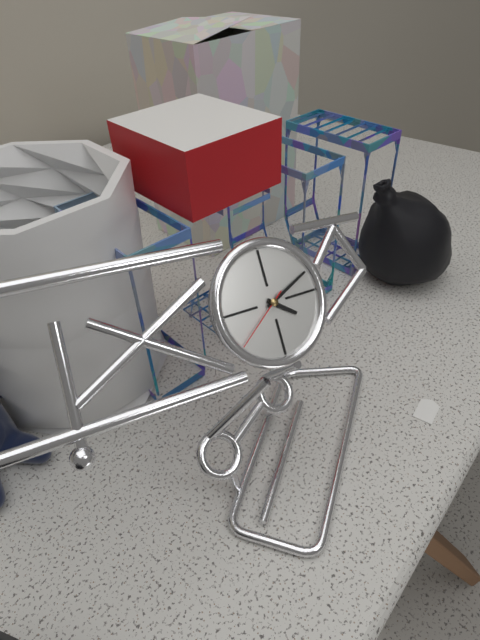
h=4 m=11 s=39
